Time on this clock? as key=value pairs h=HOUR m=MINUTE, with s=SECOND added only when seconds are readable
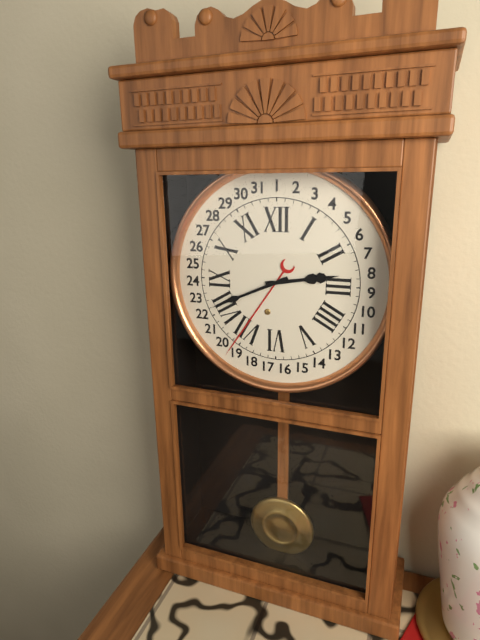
h=2 m=41
